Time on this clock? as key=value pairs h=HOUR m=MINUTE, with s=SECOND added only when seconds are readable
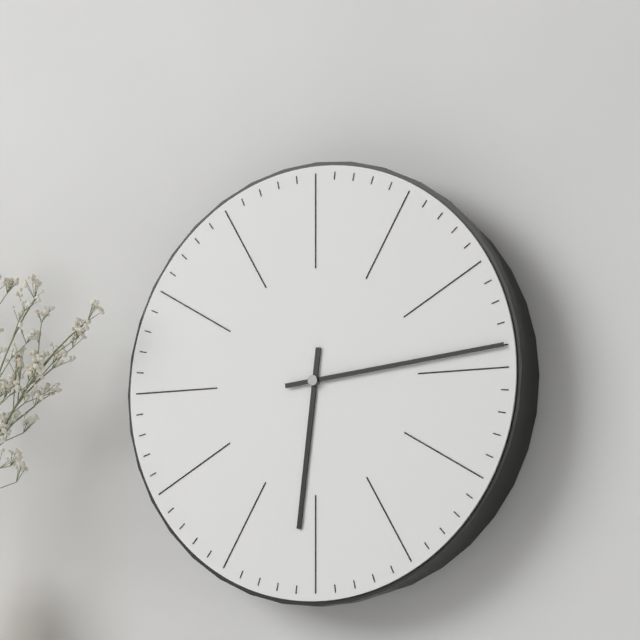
h=6 m=14
